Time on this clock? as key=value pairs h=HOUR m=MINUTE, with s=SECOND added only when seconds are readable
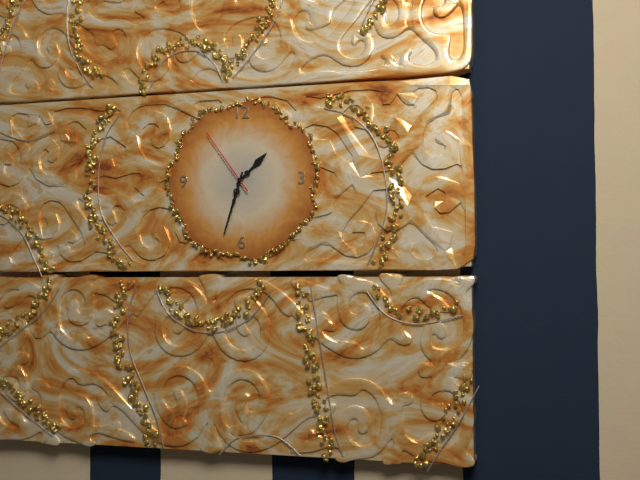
h=1 m=33 s=54
